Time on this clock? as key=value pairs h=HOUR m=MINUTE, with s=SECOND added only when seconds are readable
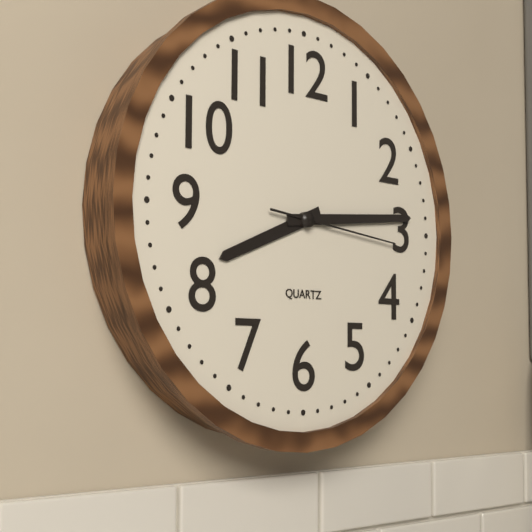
h=8 m=14 s=16
